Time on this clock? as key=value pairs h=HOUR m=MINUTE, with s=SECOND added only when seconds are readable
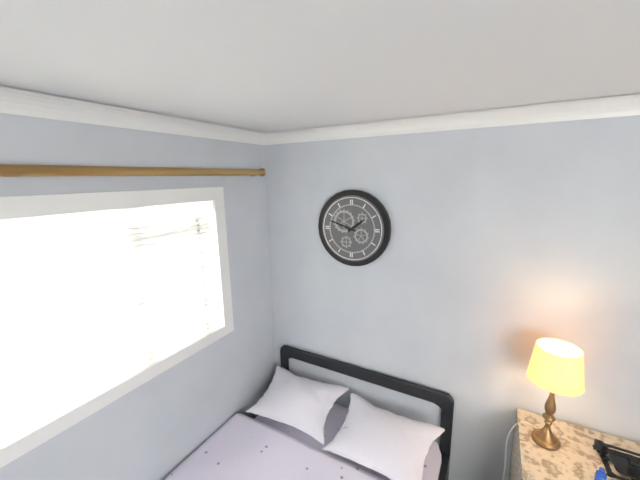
h=1 m=48
